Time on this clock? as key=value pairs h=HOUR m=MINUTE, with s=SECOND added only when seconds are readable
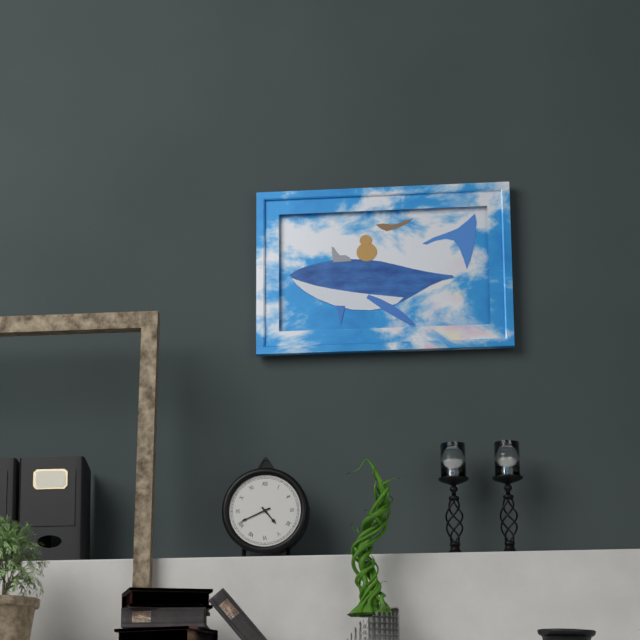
h=4 m=41
